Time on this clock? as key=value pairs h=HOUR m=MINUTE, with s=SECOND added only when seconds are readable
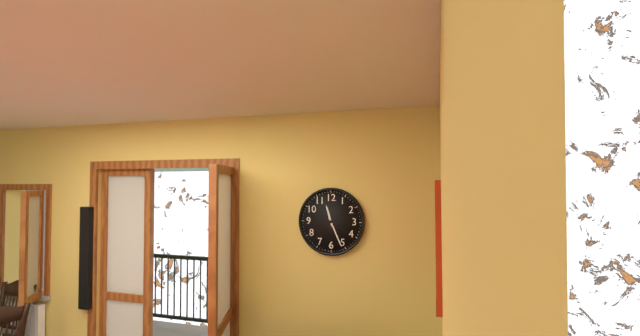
h=11 m=26
